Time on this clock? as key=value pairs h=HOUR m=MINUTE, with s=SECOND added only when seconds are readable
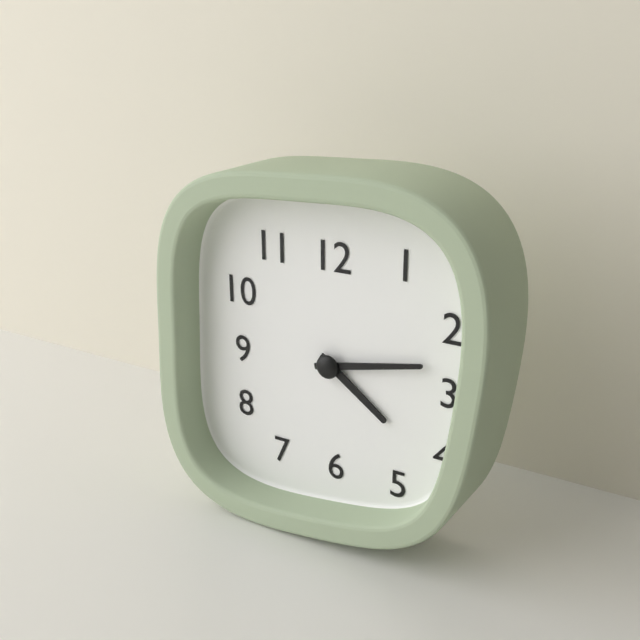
h=4 m=13
